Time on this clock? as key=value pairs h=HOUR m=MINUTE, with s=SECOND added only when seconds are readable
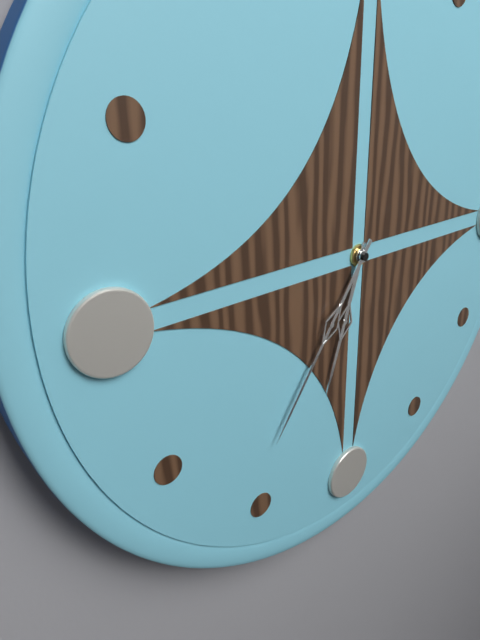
h=6 m=36
